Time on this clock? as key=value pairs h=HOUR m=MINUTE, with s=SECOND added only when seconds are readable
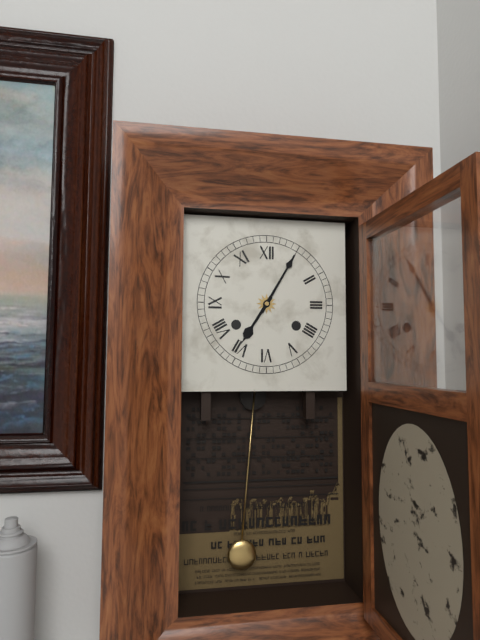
h=7 m=5
